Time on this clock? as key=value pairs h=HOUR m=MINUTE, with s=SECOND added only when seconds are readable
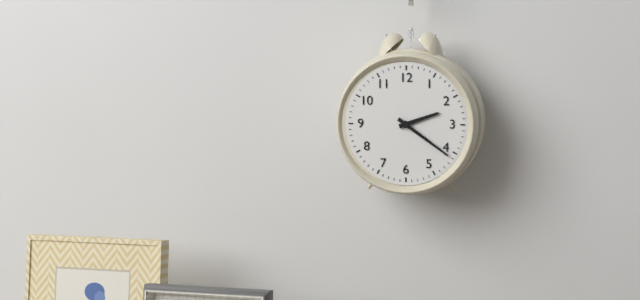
h=2 m=21
